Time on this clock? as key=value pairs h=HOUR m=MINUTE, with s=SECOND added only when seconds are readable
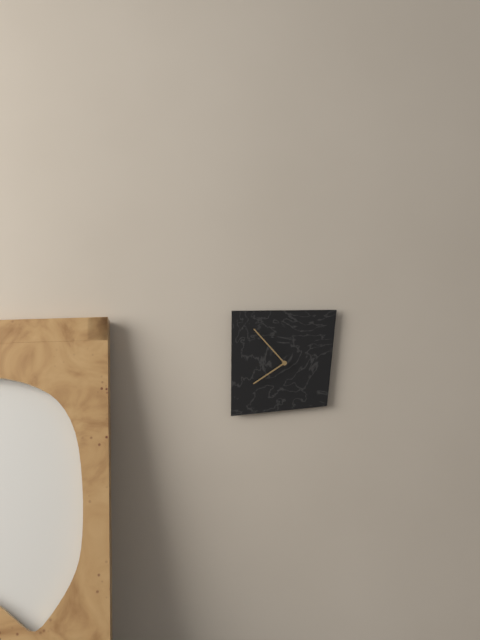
h=7 m=53
